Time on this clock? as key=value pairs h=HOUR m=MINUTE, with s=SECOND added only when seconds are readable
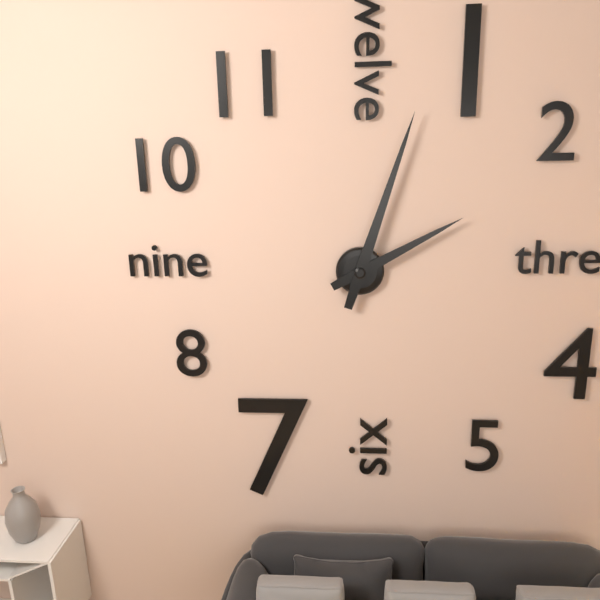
h=2 m=3
